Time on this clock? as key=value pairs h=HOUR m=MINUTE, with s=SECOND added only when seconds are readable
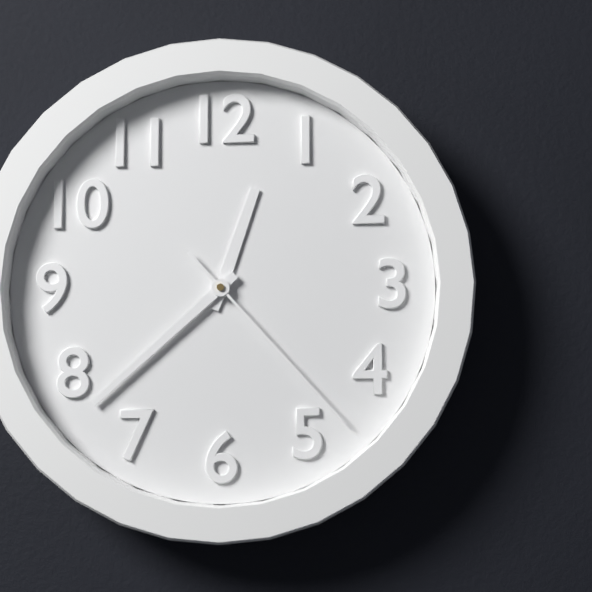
h=12 m=38 s=23
